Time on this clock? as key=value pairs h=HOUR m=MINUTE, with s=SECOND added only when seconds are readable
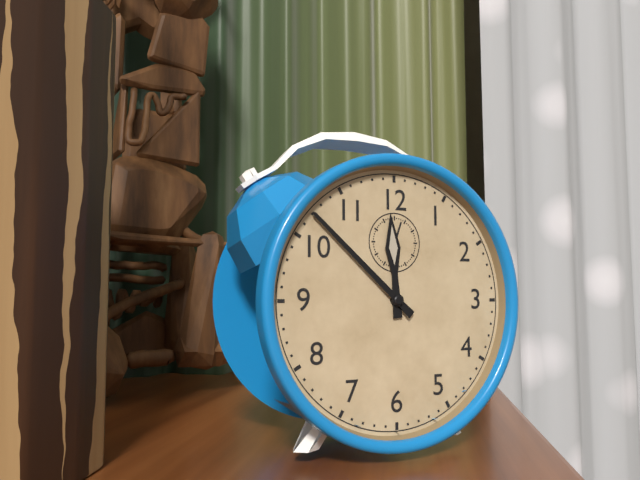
h=11 m=52
